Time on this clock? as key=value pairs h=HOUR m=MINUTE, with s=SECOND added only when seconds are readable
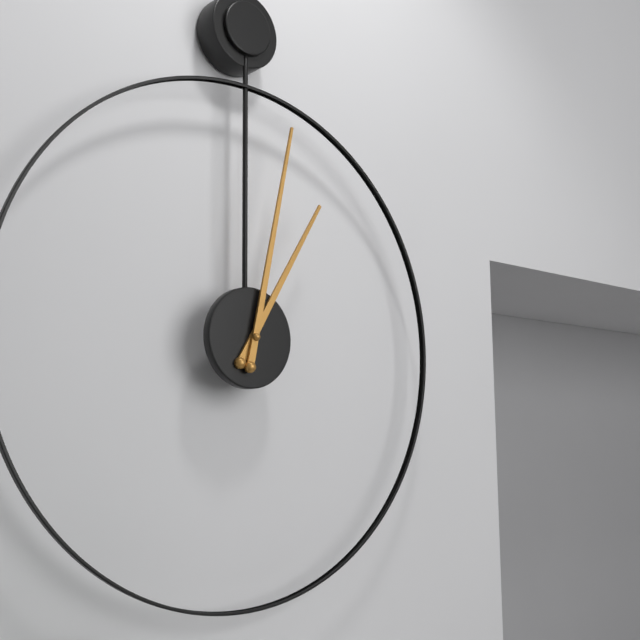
h=1 m=2
